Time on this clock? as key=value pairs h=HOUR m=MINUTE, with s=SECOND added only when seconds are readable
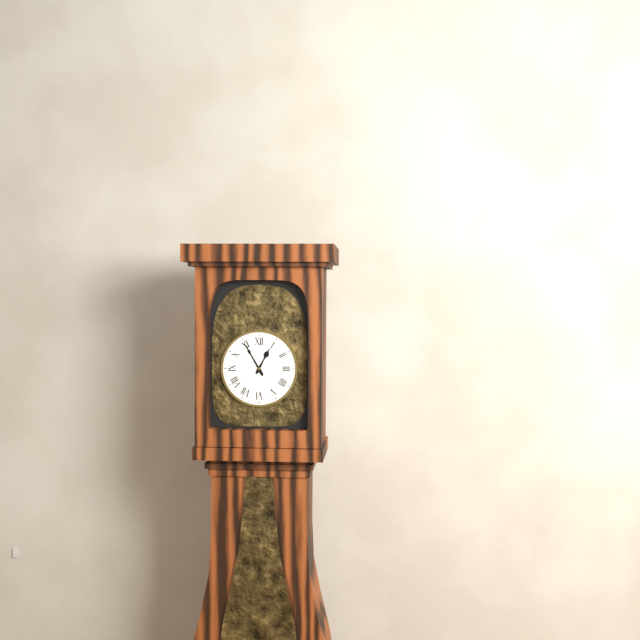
h=12 m=55
